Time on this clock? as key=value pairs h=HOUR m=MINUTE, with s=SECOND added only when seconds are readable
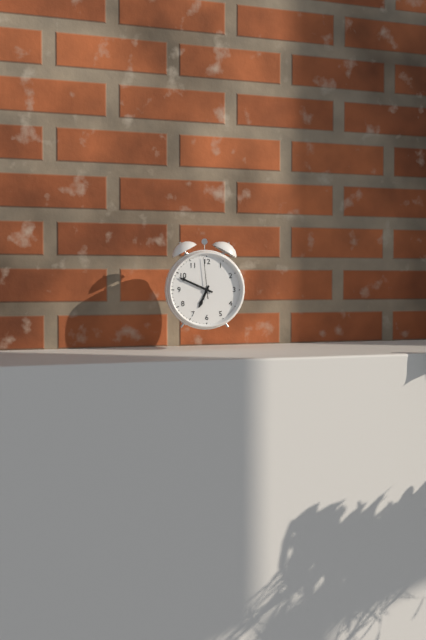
h=6 m=49
